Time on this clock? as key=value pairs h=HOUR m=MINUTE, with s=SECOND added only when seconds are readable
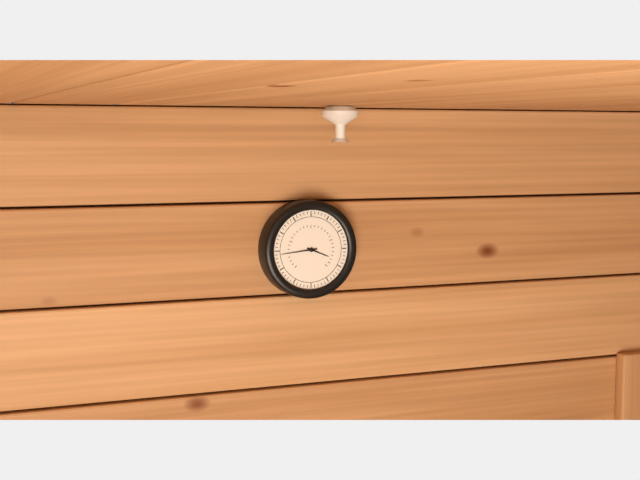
h=3 m=44
